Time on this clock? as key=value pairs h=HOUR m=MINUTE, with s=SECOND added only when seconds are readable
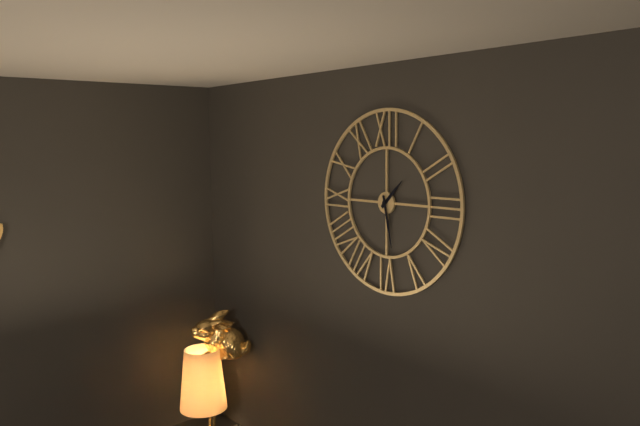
h=1 m=28
